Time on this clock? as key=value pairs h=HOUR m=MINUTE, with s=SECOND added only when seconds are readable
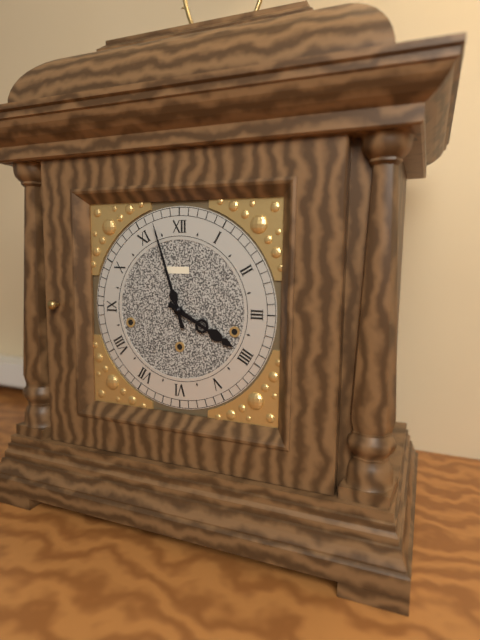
h=3 m=57
